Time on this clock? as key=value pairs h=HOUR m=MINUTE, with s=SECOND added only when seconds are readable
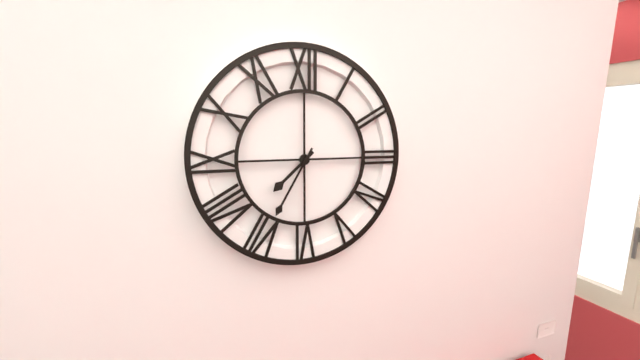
h=7 m=35
